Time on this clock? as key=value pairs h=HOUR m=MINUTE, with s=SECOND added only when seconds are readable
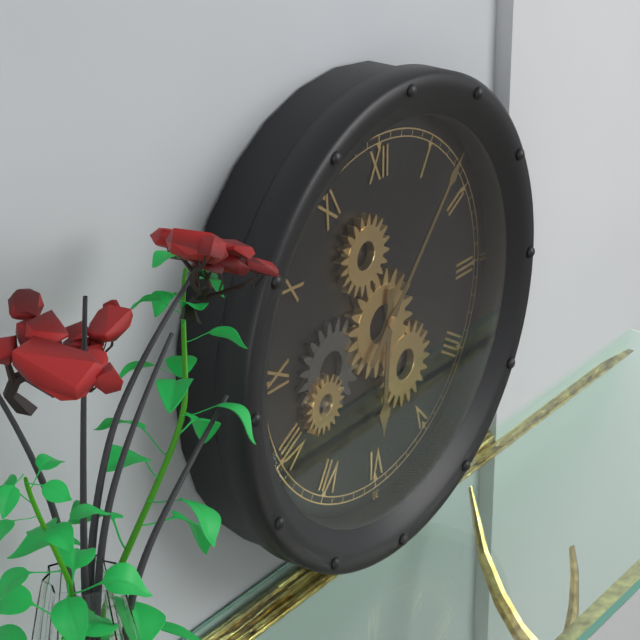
h=6 m=7
